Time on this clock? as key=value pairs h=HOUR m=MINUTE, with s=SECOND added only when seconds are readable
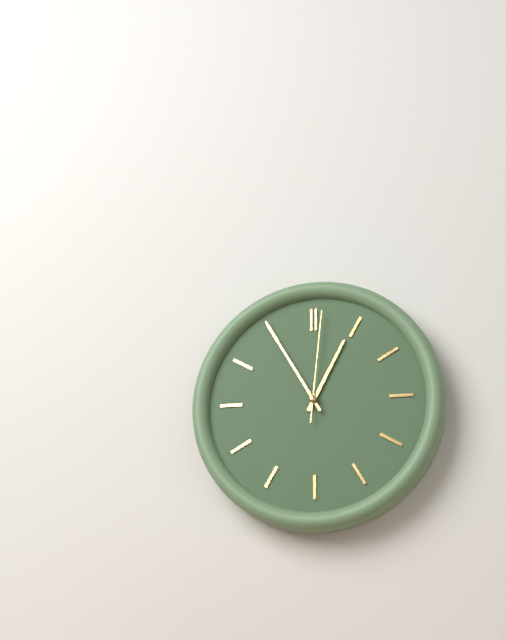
h=12 m=55 s=1
